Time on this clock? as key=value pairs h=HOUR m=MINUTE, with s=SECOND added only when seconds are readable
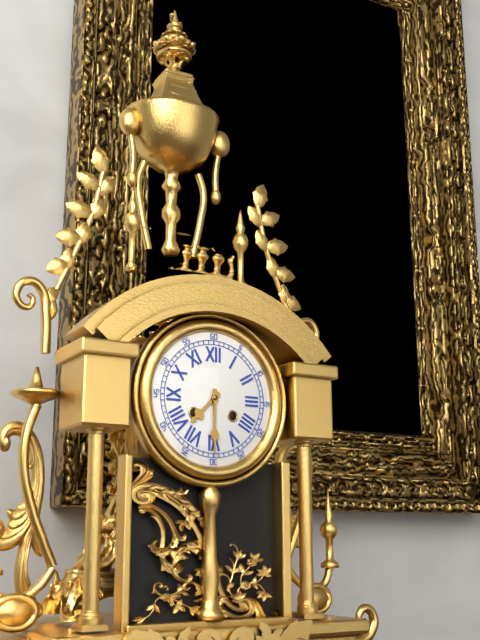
h=7 m=30
